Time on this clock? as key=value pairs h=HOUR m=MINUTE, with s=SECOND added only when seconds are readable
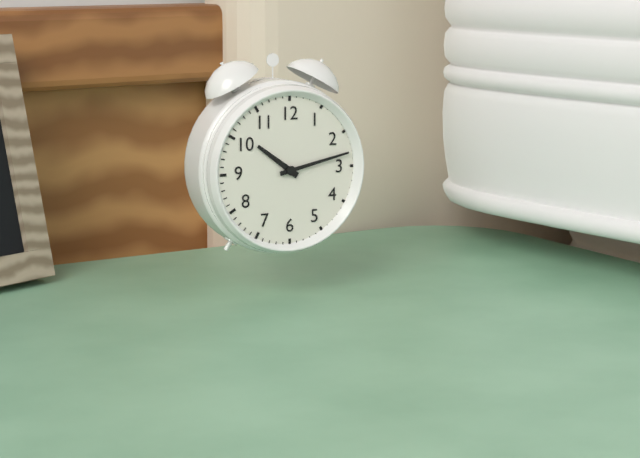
h=10 m=13
